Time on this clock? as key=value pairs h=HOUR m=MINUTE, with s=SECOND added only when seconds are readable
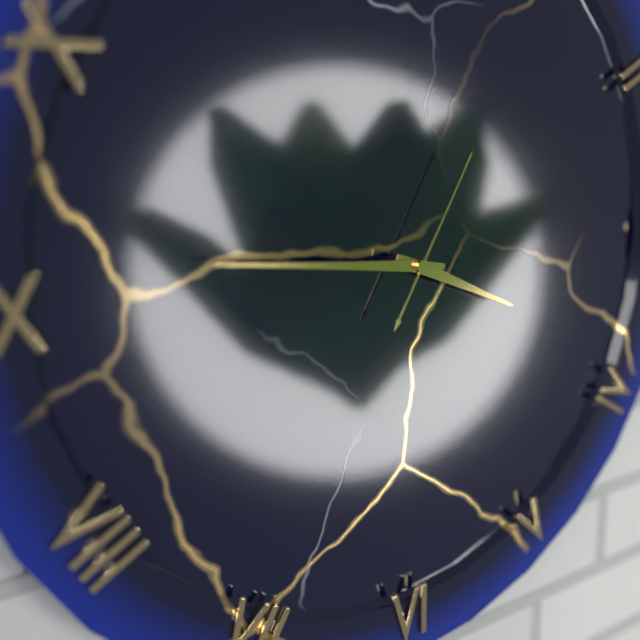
h=3 m=46 s=5
